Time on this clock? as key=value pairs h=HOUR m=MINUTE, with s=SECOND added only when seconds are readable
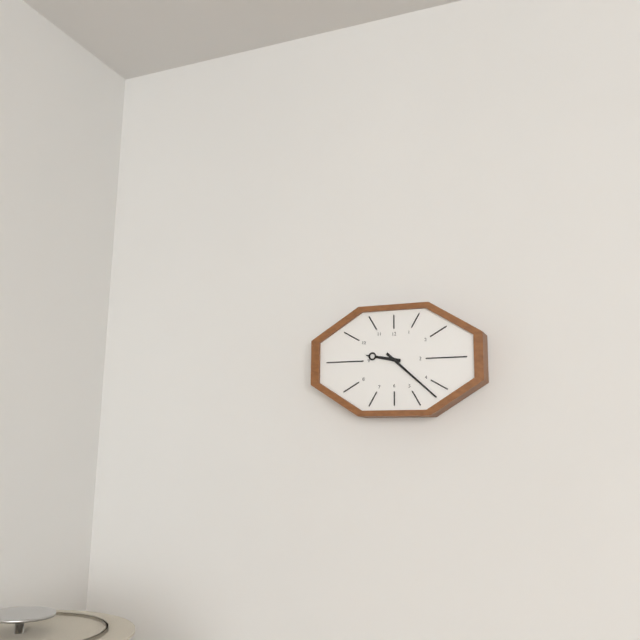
h=9 m=22
